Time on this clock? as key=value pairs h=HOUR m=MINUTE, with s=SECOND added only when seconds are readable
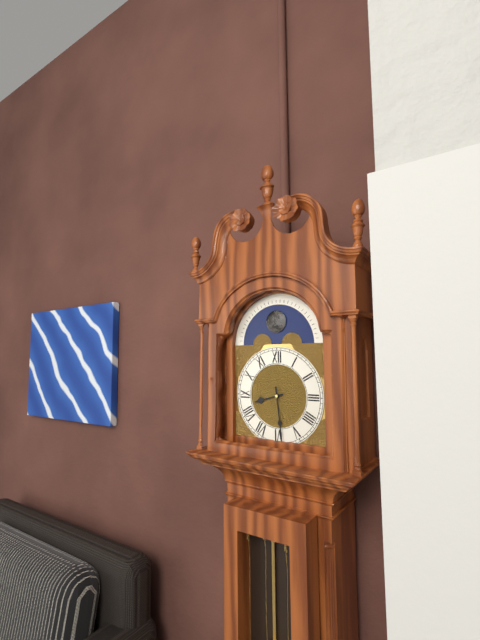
h=8 m=29
